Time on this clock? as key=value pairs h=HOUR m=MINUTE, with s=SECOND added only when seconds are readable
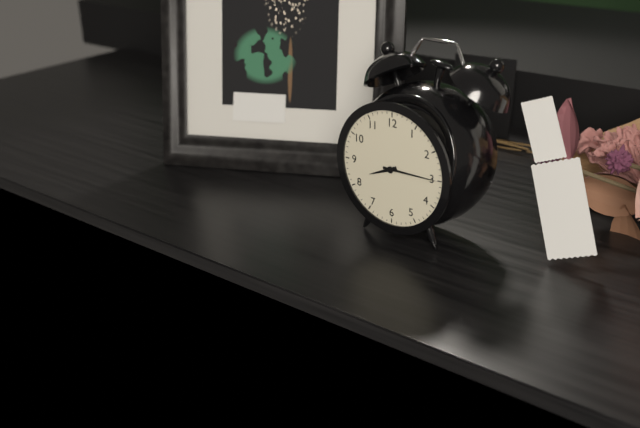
h=8 m=15
